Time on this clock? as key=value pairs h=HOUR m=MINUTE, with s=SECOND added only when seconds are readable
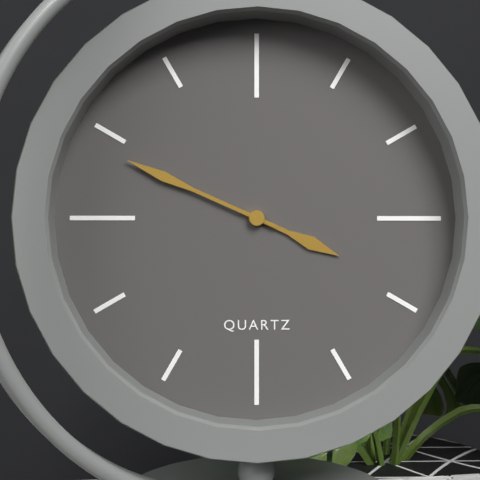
h=3 m=49
